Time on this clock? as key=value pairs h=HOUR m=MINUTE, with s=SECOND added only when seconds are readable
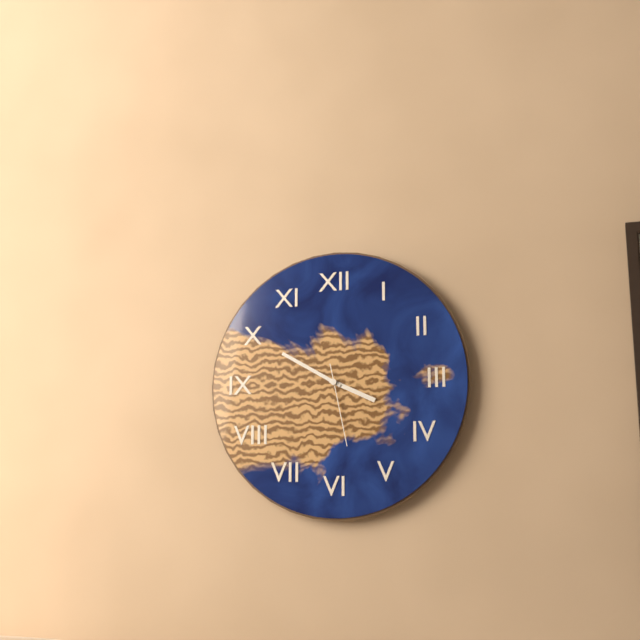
h=3 m=50 s=28
